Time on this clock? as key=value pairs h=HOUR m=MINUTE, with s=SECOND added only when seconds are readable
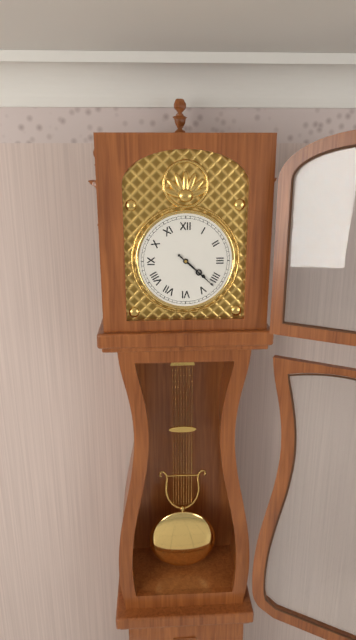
h=4 m=22
